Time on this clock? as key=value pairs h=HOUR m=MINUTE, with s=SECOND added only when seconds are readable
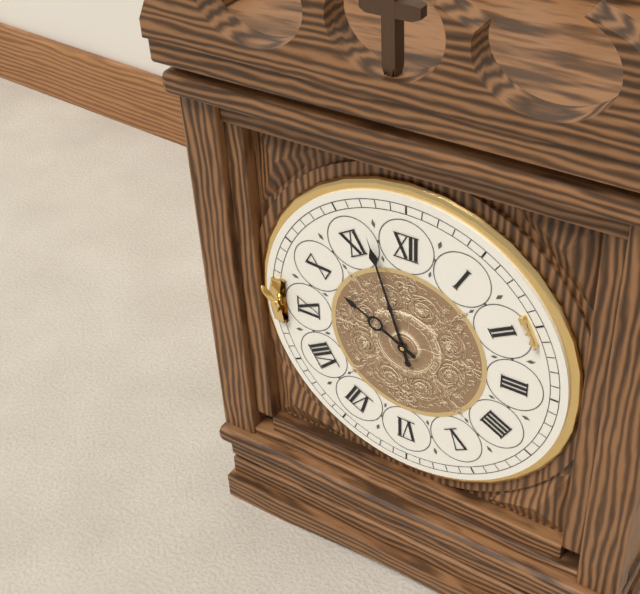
h=9 m=57
